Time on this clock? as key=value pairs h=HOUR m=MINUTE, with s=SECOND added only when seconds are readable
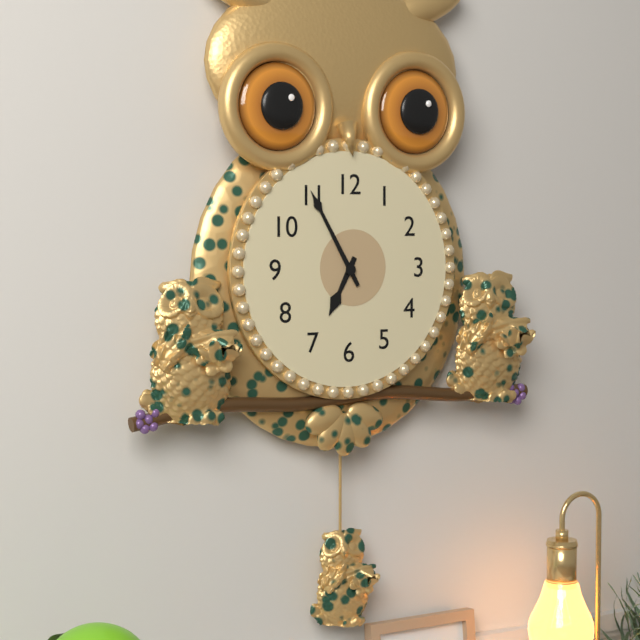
h=6 m=55
